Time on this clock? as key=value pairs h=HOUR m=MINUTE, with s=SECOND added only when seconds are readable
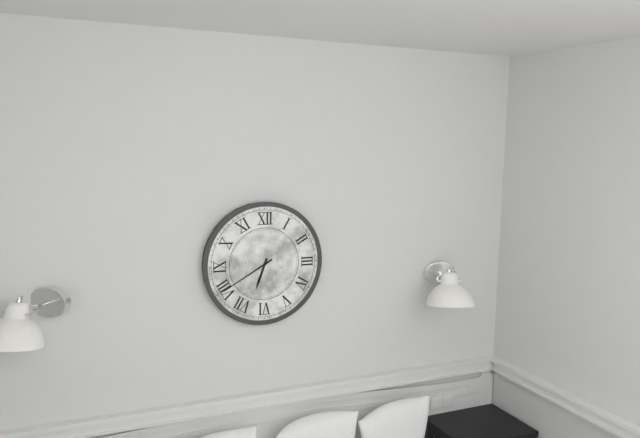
h=6 m=40
